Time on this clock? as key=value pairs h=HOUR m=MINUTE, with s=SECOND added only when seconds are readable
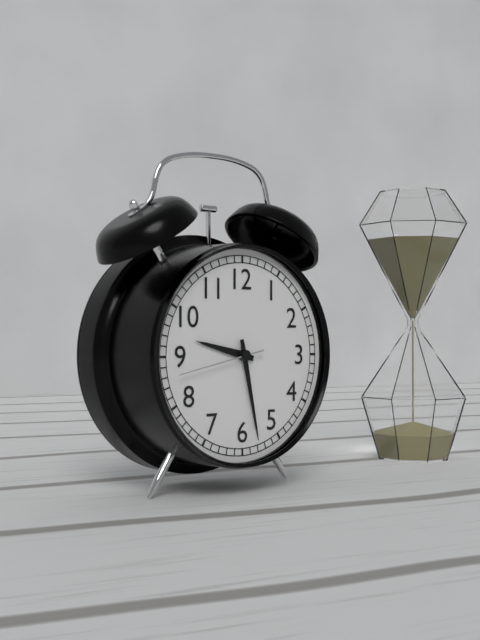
h=9 m=28 s=43
